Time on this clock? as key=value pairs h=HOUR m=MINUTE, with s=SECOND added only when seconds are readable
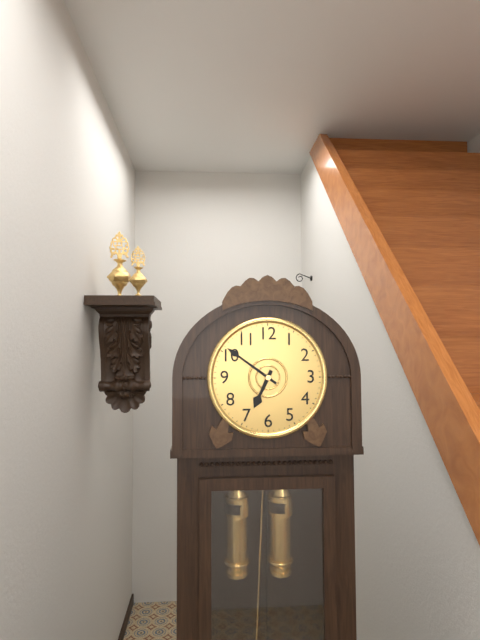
h=6 m=51
